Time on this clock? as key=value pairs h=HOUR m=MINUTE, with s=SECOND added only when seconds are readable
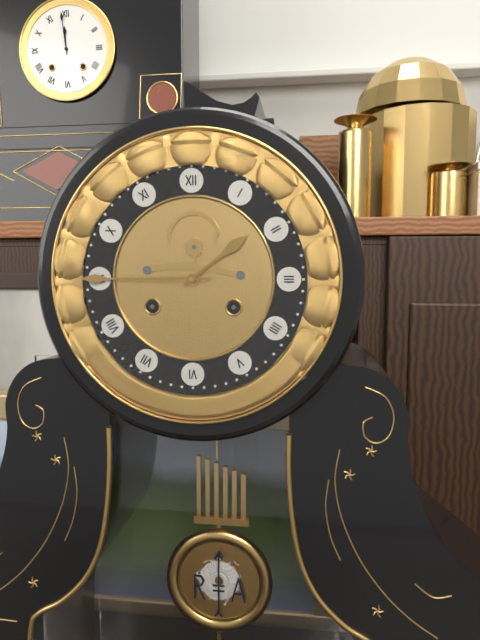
h=1 m=45
